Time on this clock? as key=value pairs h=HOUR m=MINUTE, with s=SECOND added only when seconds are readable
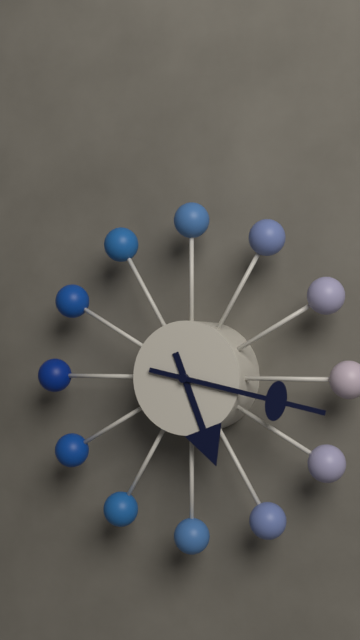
h=5 m=17
